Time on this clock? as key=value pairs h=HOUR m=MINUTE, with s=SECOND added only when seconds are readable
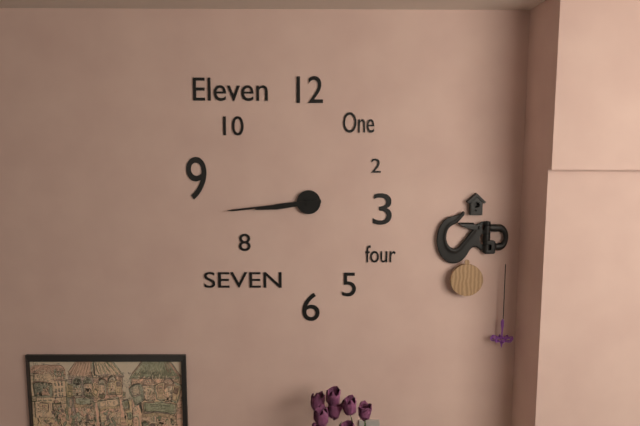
h=8 m=44
